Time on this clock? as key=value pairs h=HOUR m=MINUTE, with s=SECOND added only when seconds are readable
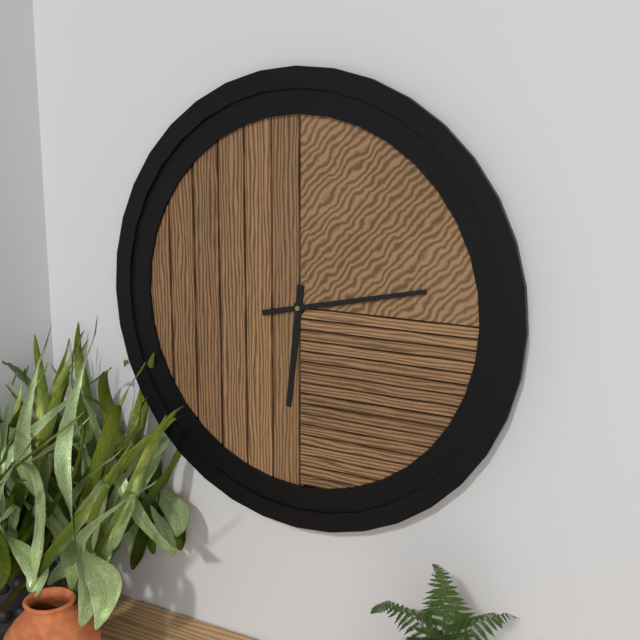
h=6 m=13
